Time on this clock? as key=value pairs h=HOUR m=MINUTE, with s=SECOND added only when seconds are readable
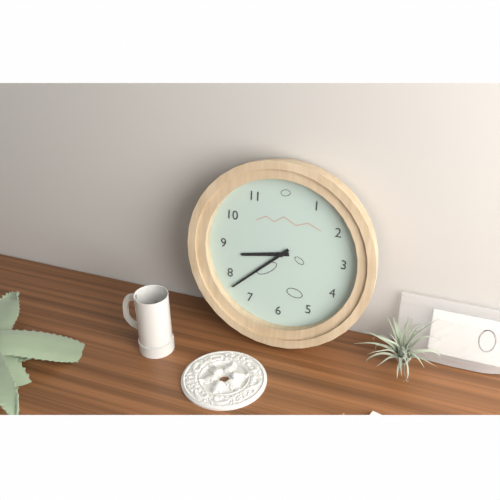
h=8 m=38
